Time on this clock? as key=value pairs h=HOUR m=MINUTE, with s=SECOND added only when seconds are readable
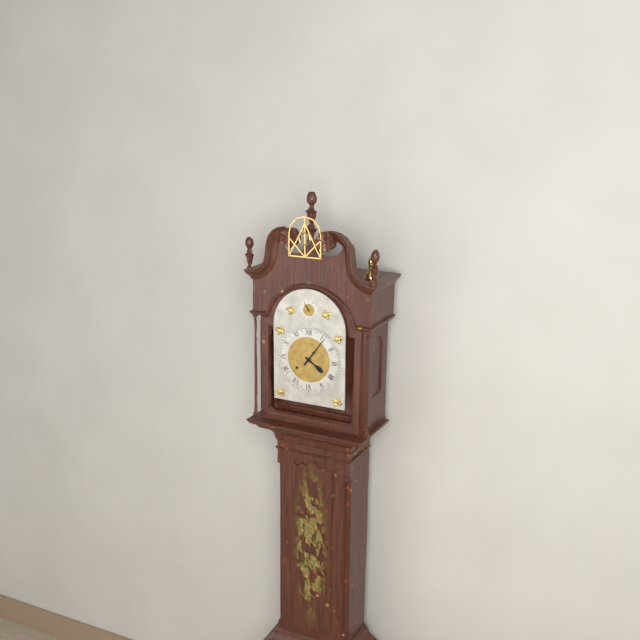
h=4 m=6
